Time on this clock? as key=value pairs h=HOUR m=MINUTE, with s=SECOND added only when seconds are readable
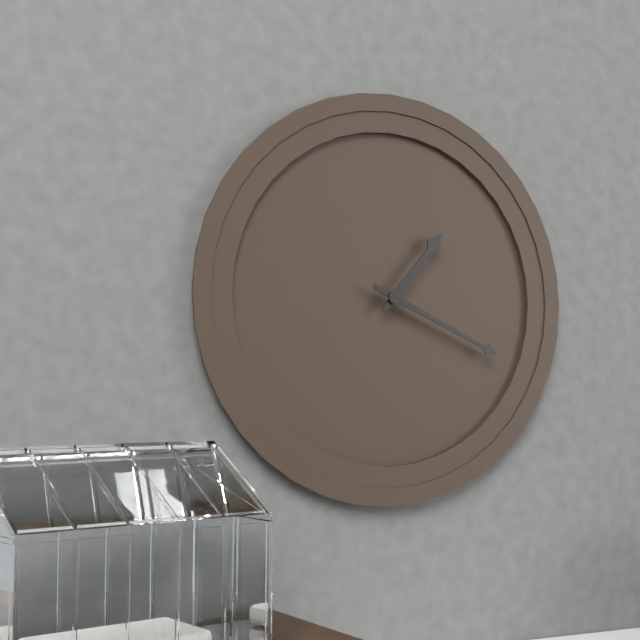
h=1 m=19
